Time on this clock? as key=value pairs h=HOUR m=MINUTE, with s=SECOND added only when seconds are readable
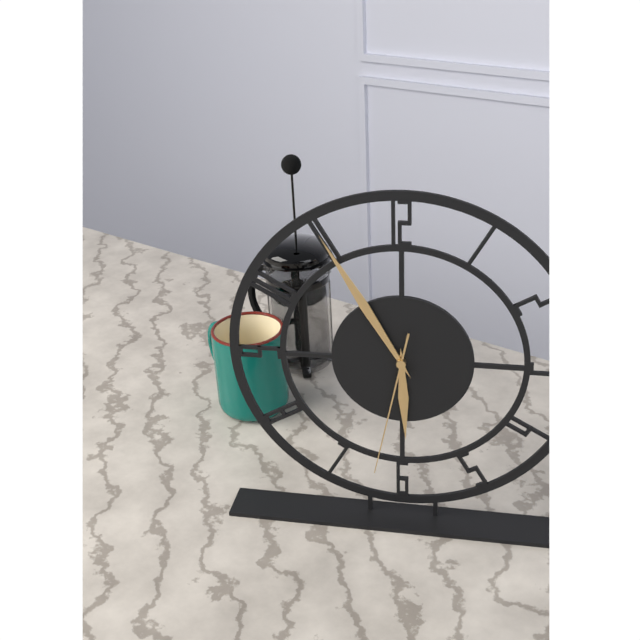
h=5 m=55 s=32
